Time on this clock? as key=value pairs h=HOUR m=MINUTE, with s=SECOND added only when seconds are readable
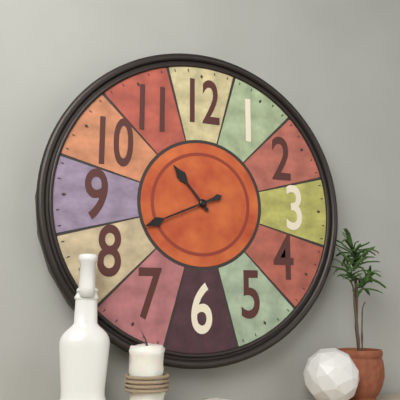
h=10 m=41
